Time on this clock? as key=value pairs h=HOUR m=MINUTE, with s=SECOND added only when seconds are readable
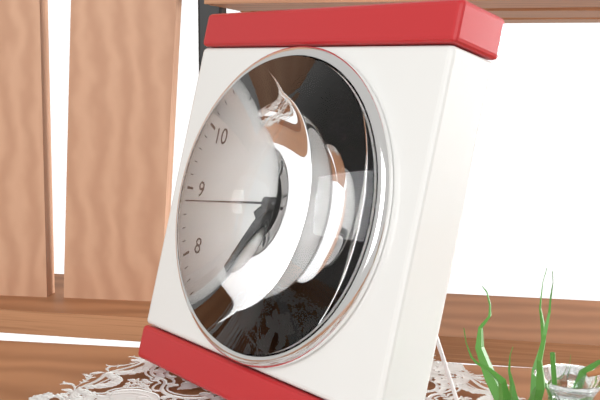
h=7 m=8 s=44
